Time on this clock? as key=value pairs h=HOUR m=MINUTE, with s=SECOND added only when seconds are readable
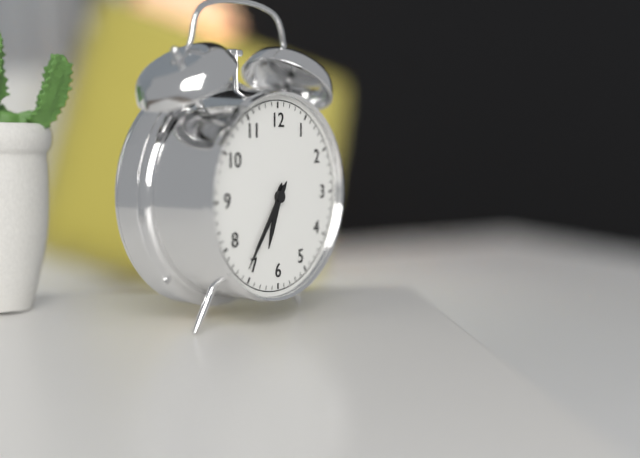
h=6 m=36
